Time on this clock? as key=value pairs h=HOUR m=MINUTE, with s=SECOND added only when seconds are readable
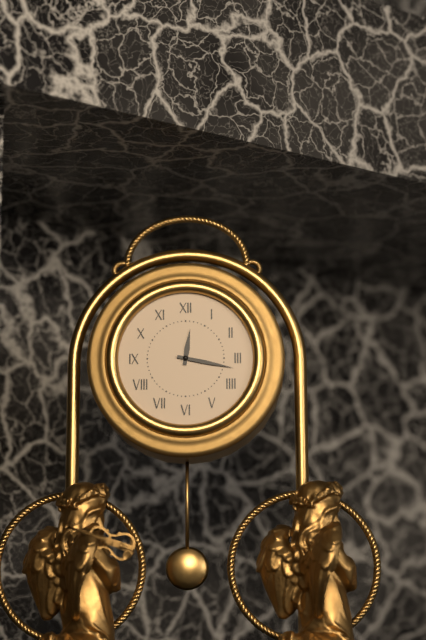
h=12 m=17
